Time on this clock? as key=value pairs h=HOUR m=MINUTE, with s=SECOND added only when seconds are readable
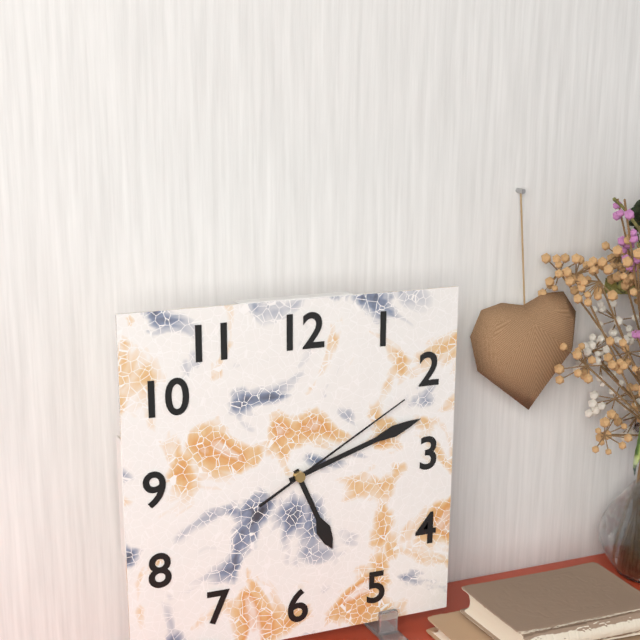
h=5 m=12 s=10
